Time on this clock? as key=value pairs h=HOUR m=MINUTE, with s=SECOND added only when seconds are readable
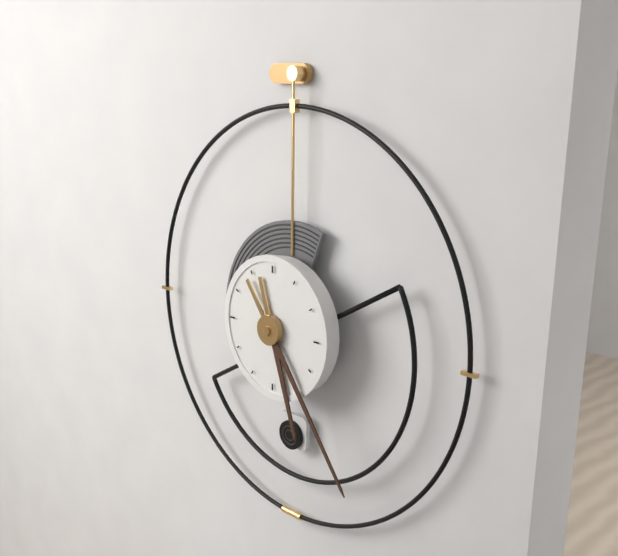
h=5 m=24
